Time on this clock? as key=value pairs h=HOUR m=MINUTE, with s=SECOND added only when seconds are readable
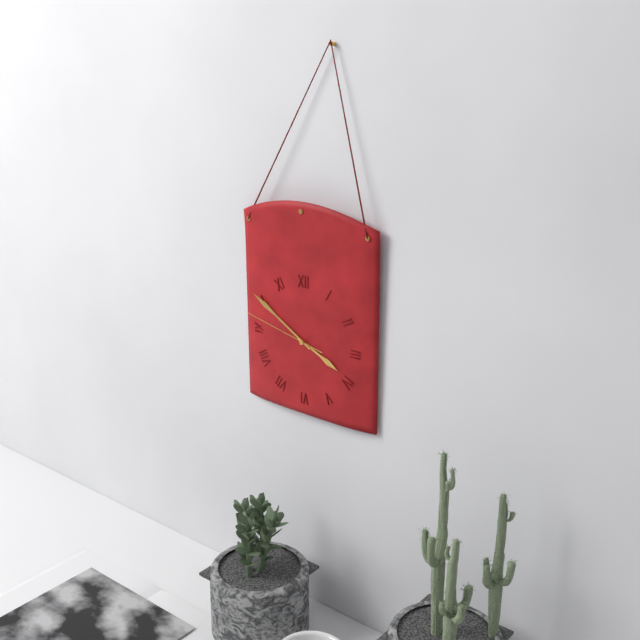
h=3 m=50 s=47
